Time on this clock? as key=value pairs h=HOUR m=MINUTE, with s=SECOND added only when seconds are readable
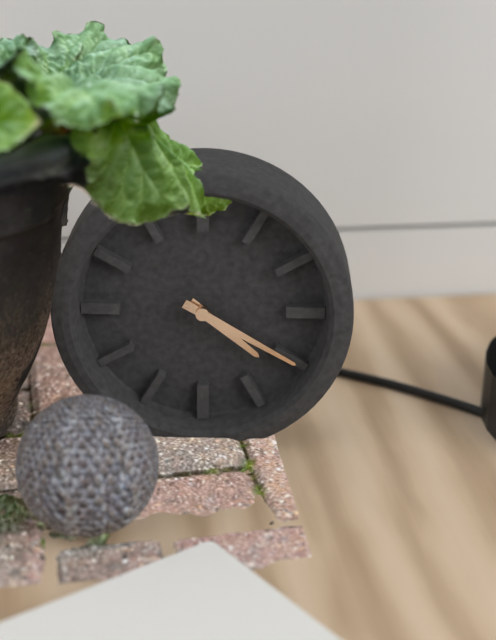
h=4 m=20
